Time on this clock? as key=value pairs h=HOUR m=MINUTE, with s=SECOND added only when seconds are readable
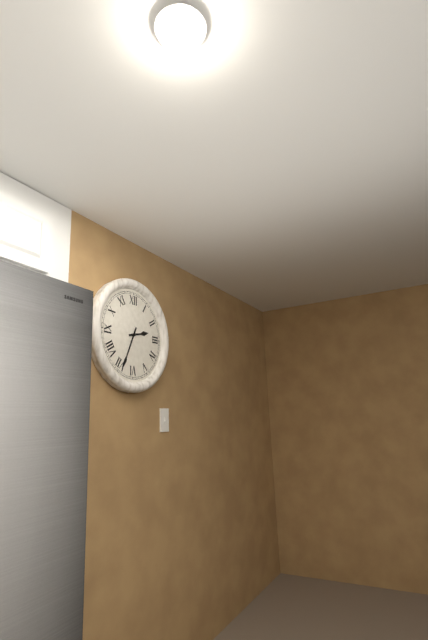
h=2 m=34
